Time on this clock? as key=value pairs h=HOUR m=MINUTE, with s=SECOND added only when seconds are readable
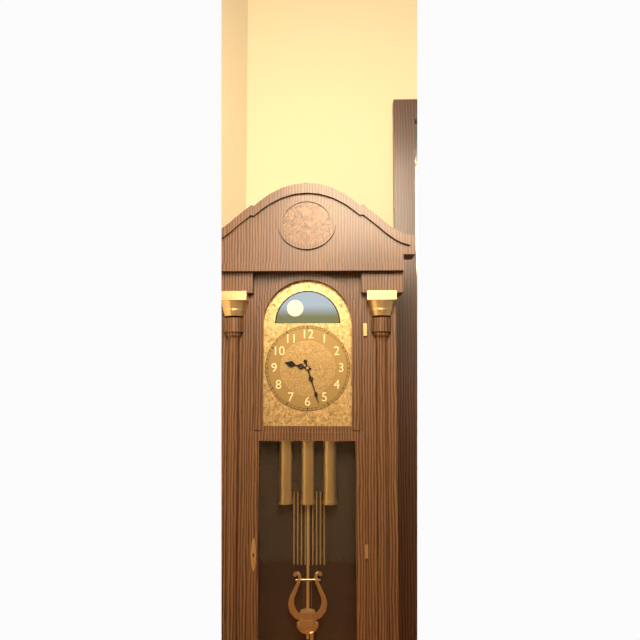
h=9 m=27
